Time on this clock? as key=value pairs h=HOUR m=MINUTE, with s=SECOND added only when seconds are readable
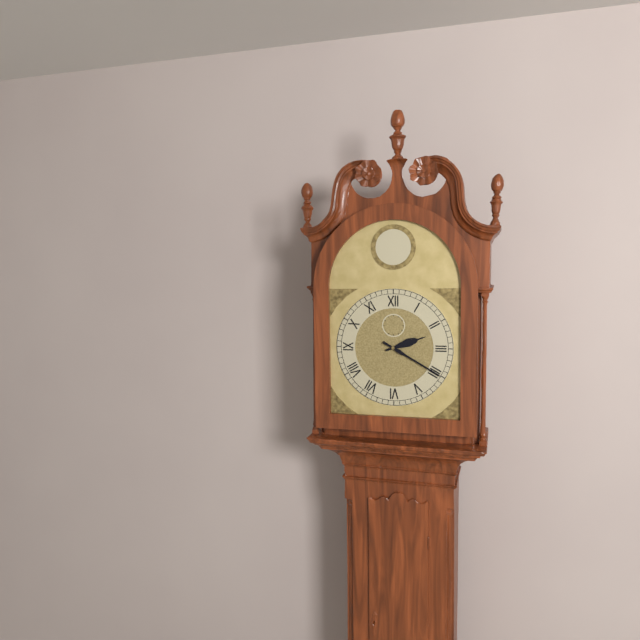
h=2 m=20
